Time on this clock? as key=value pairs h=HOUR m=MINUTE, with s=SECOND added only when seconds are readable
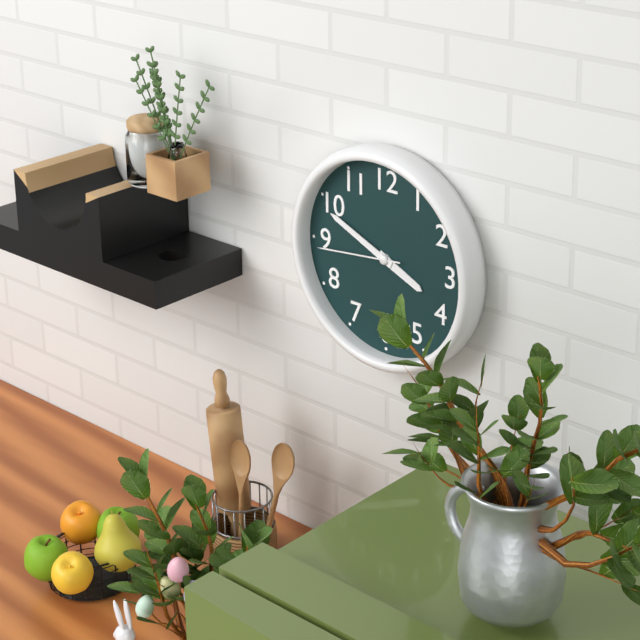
h=3 m=49 s=44
